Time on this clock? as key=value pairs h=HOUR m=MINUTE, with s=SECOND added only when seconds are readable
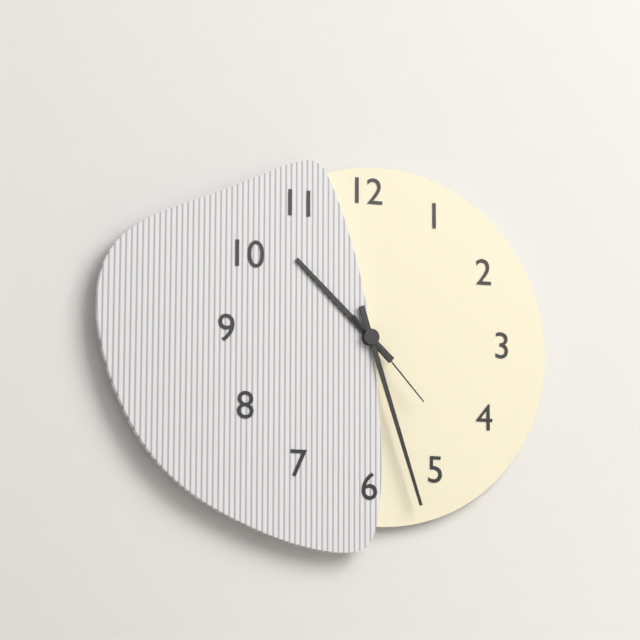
h=10 m=27 s=23
